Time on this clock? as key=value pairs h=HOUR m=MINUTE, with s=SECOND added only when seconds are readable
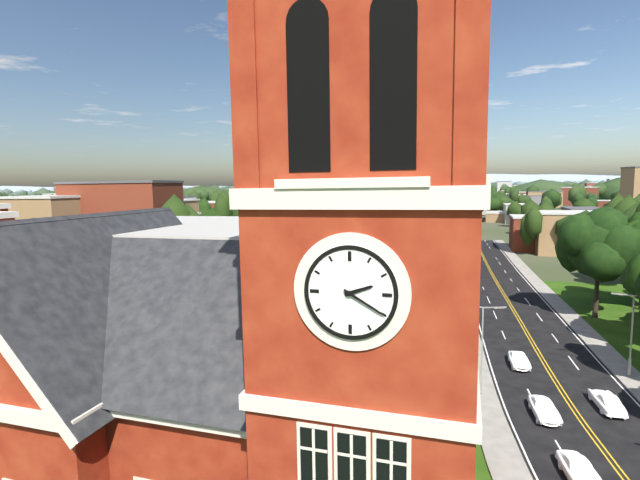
h=2 m=20
